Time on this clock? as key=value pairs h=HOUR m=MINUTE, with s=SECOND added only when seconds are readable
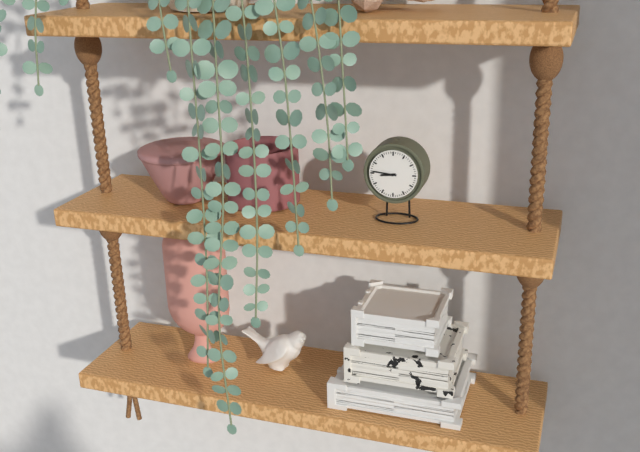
h=8 m=46
